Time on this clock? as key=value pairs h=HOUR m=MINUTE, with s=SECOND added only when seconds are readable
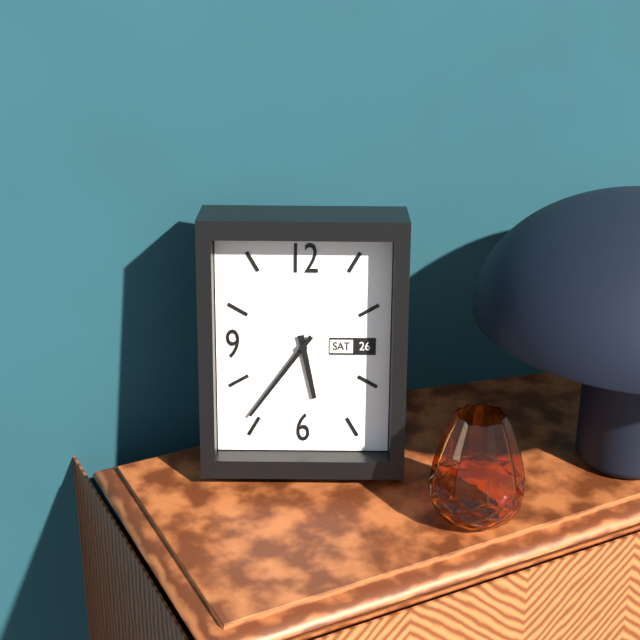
h=5 m=36
